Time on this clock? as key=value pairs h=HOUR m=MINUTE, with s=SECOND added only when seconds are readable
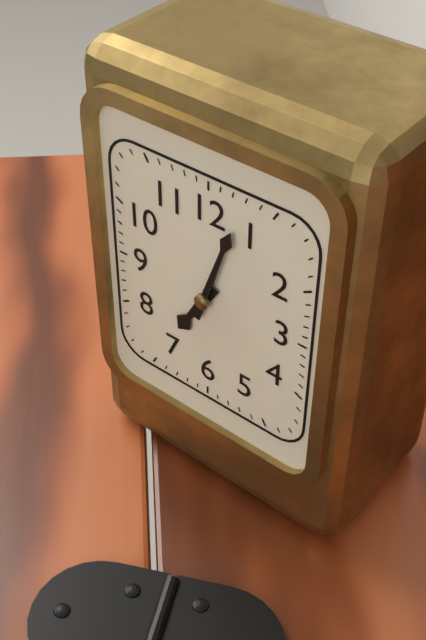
h=7 m=3
